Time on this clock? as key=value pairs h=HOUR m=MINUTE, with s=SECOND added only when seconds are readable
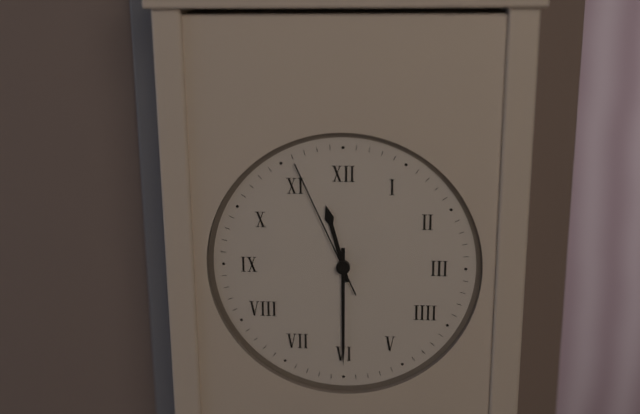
h=11 m=30 s=56
